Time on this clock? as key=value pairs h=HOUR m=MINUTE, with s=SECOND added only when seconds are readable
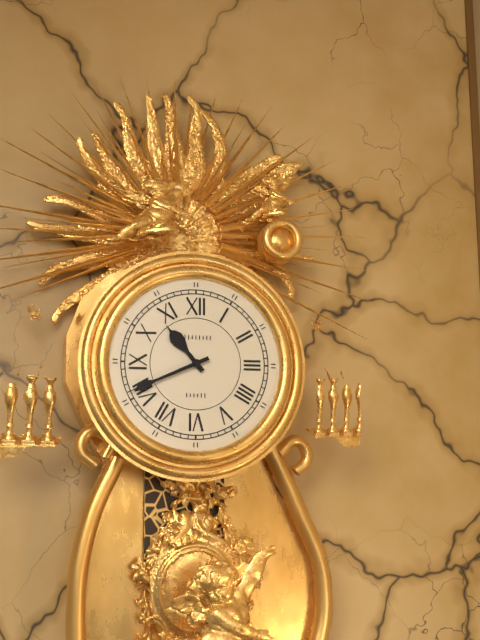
h=10 m=41
